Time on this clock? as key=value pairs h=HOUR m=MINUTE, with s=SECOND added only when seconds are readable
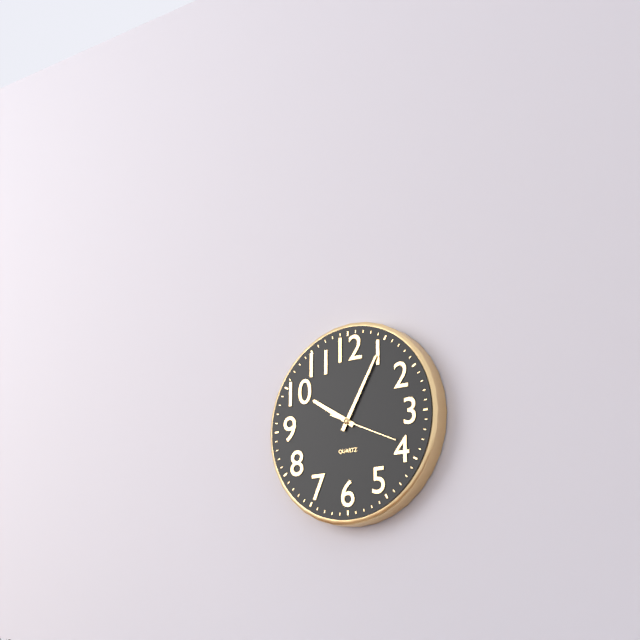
h=10 m=5 s=19
